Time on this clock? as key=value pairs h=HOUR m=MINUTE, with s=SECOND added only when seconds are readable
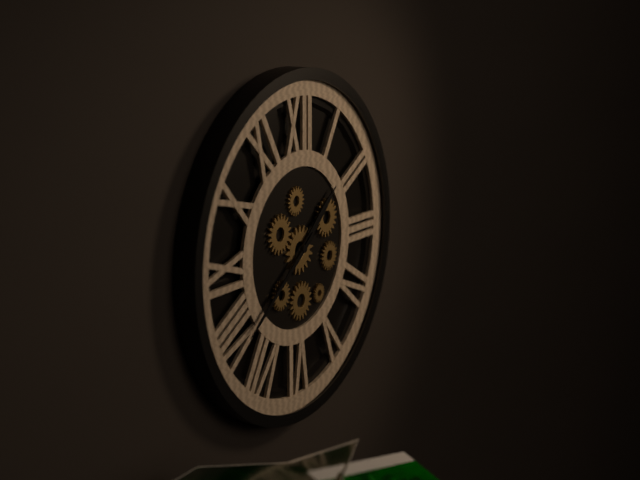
h=1 m=39
